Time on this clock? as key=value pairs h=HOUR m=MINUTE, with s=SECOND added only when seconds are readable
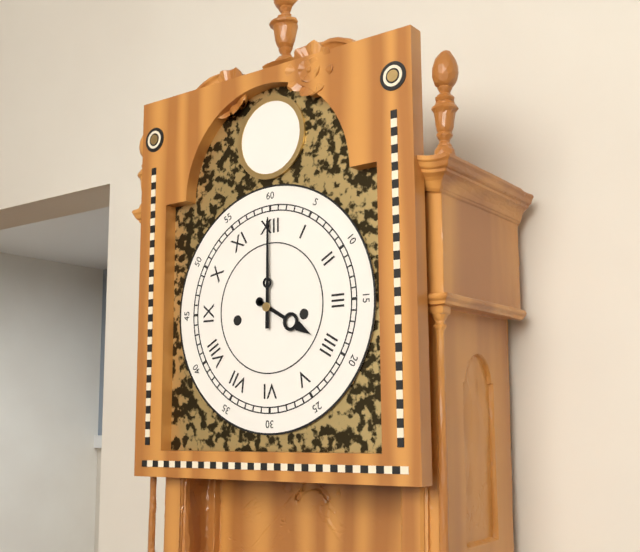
h=4 m=0
